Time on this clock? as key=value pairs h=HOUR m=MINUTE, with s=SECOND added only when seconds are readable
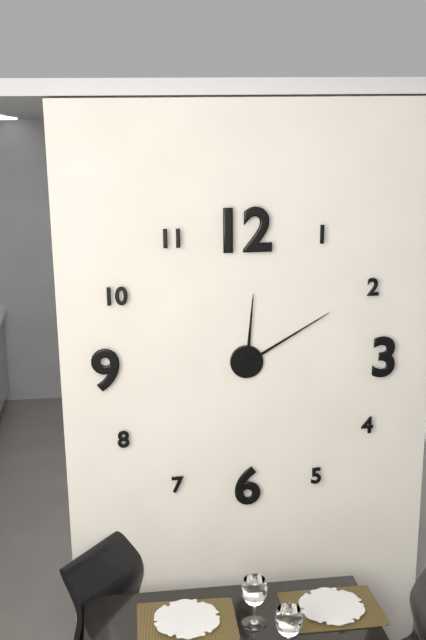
h=12 m=10
